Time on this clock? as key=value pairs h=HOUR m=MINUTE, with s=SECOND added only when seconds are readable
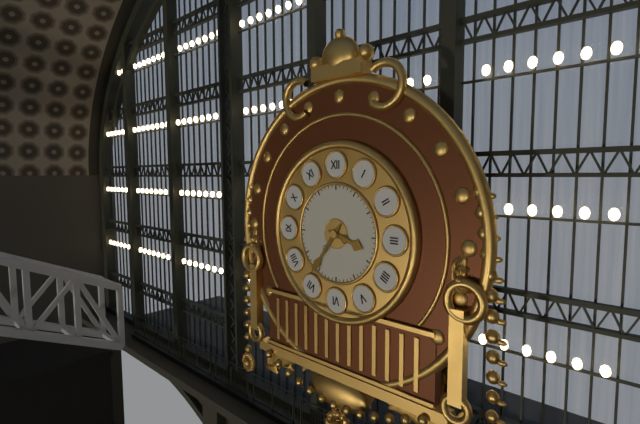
h=3 m=36
